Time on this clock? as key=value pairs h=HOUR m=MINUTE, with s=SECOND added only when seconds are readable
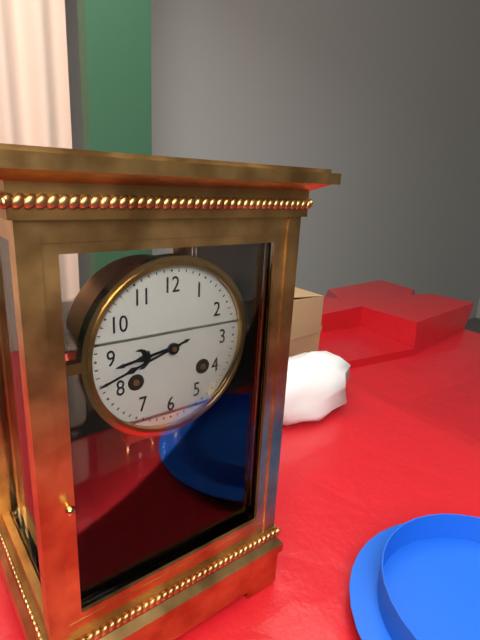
h=8 m=42
